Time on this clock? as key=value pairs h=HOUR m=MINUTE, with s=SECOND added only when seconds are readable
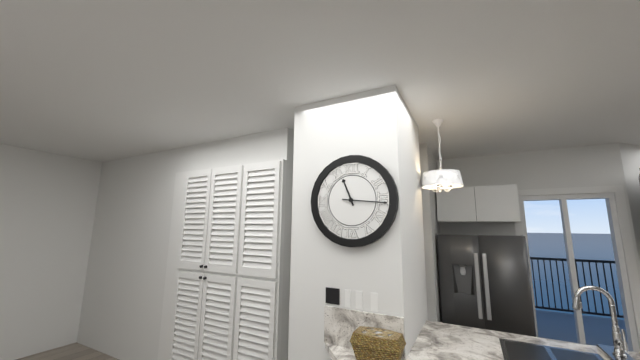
h=11 m=16
